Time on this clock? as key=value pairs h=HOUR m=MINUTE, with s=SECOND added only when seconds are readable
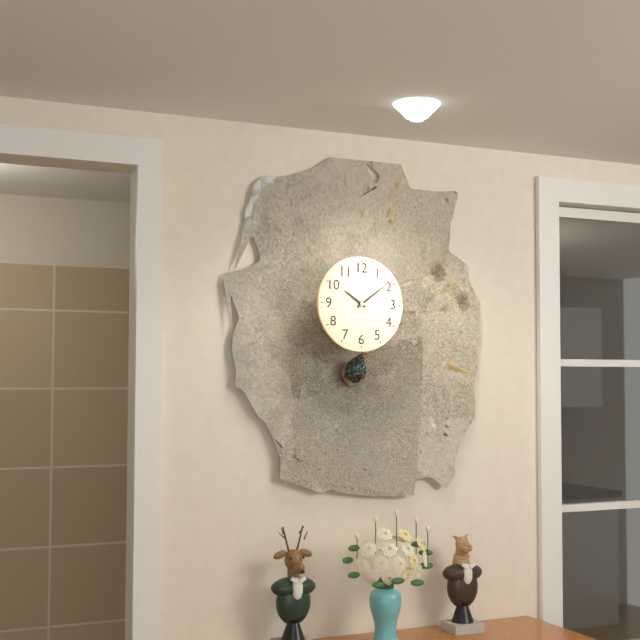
h=10 m=9
